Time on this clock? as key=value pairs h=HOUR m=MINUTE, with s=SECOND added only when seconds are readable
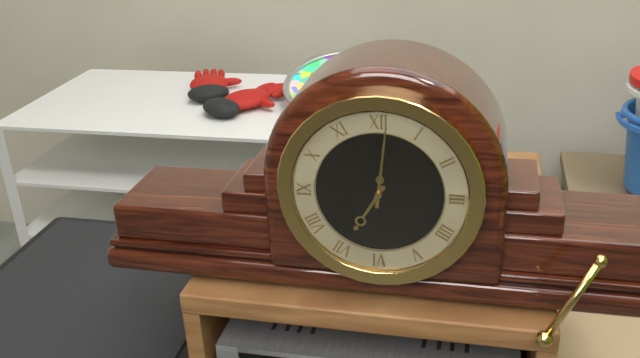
h=7 m=1
